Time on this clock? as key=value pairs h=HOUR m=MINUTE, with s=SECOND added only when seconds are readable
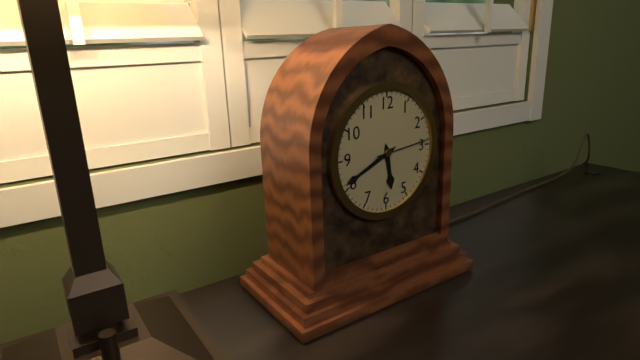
h=5 m=41 s=14
